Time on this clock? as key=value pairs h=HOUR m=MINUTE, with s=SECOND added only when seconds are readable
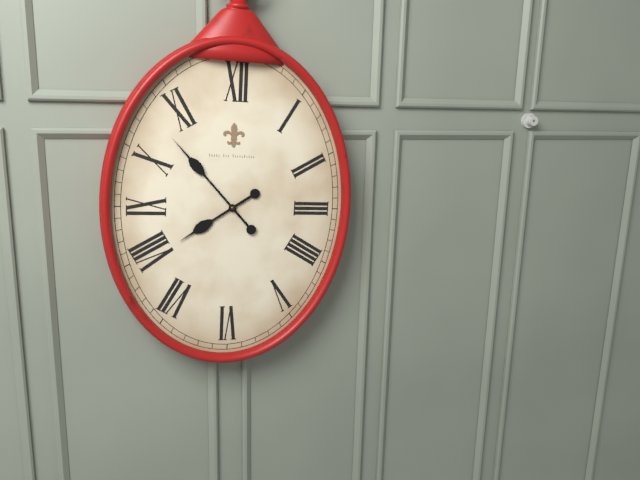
h=7 m=53
